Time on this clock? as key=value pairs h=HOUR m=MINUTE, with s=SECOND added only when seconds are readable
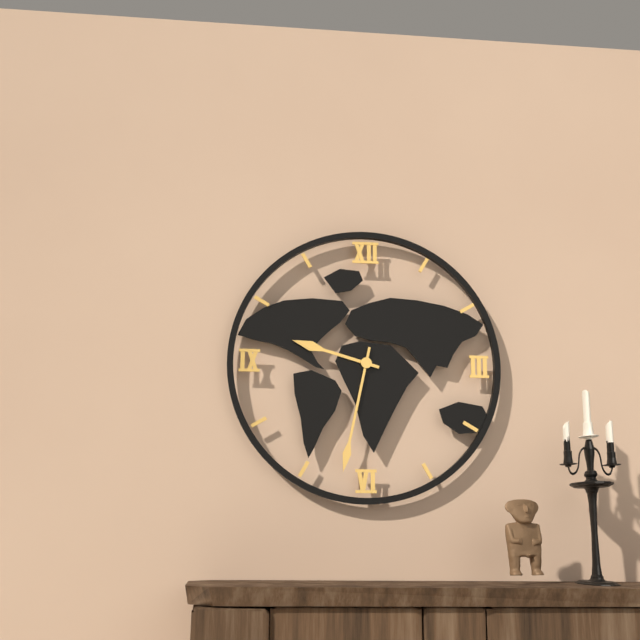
h=9 m=32
